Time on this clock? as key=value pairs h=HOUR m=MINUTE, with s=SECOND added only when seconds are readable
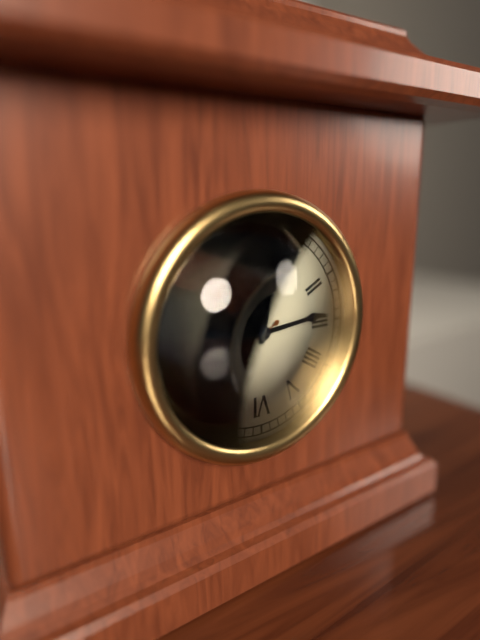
h=12 m=14 s=40
